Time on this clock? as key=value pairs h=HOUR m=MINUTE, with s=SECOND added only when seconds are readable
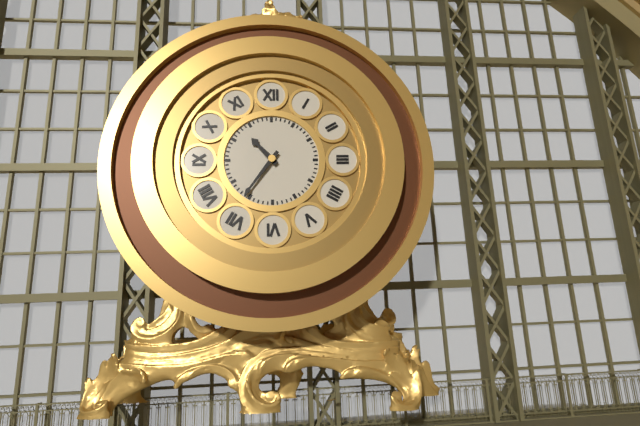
h=10 m=36
